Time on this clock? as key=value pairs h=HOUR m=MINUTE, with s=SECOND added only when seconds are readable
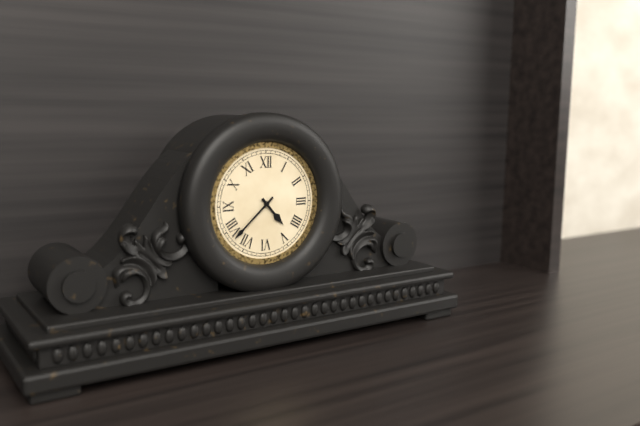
h=4 m=38
